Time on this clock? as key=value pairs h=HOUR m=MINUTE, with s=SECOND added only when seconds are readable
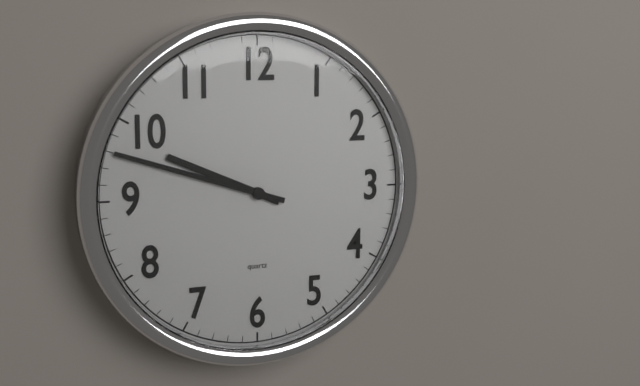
h=9 m=48
